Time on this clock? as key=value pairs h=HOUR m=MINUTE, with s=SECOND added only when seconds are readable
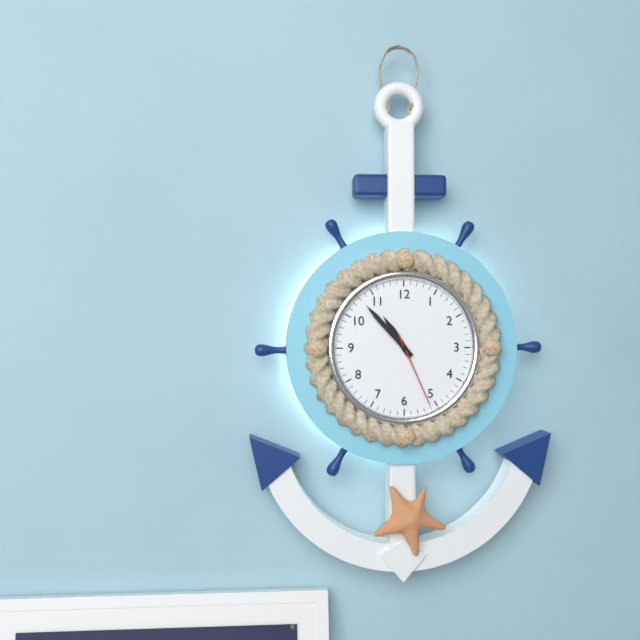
h=10 m=53 s=26
